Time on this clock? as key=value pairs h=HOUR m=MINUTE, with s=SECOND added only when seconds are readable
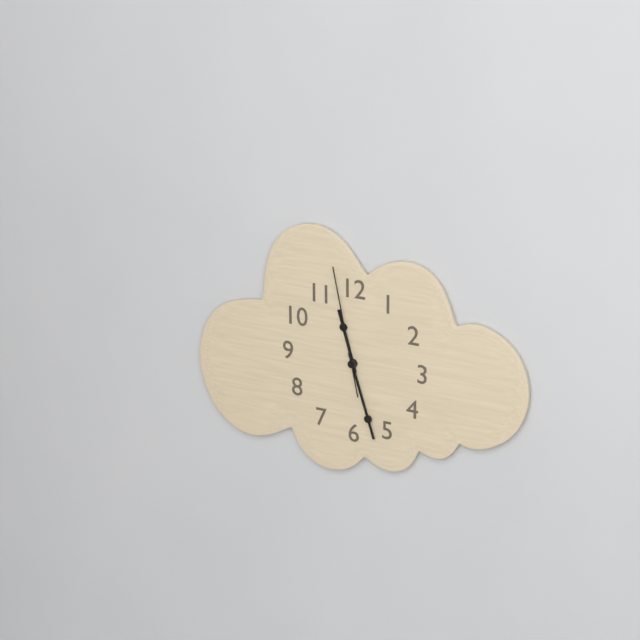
h=11 m=27 s=58
